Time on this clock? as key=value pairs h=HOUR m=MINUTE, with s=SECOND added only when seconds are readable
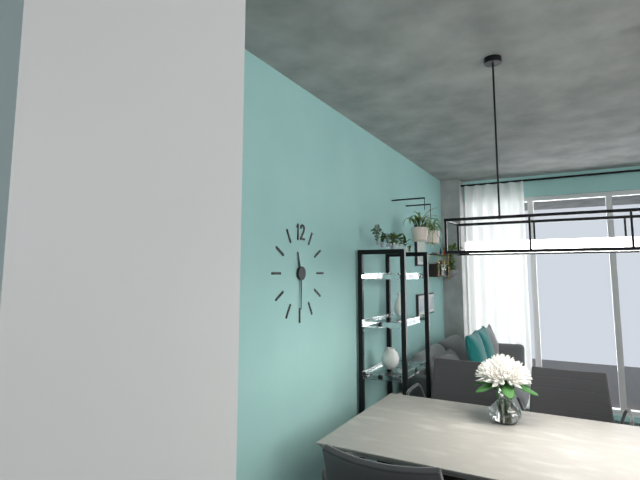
h=11 m=30
